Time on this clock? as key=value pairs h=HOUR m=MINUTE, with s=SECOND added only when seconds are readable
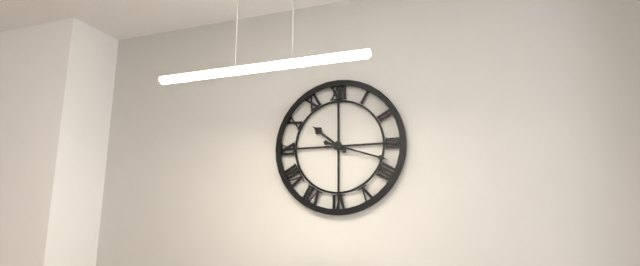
h=10 m=18
